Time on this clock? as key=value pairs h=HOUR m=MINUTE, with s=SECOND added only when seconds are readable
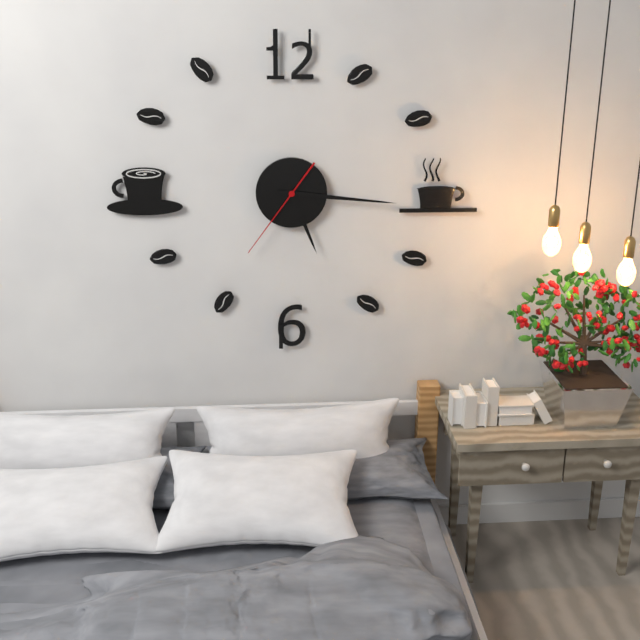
h=5 m=16 s=36
